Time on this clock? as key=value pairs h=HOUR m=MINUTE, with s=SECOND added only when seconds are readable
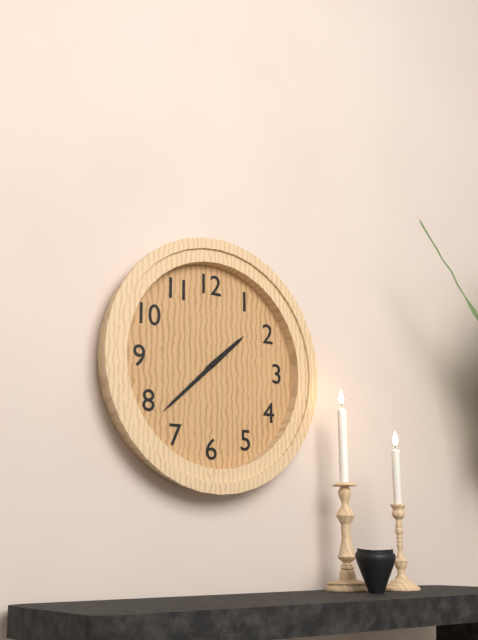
h=1 m=38
